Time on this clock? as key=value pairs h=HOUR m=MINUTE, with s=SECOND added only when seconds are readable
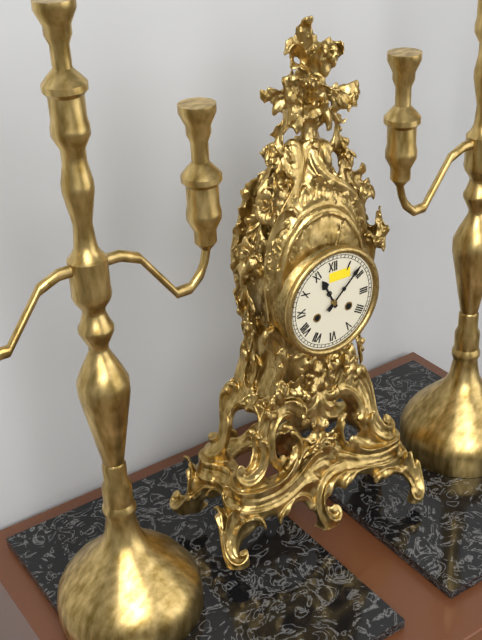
h=11 m=8
